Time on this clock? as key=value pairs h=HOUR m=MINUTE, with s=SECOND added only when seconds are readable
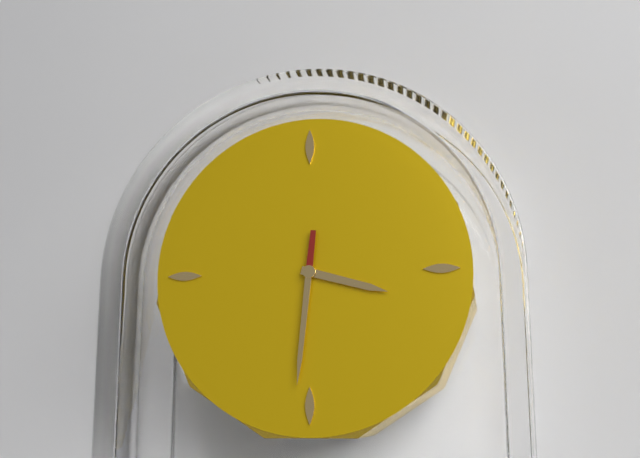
h=3 m=31
